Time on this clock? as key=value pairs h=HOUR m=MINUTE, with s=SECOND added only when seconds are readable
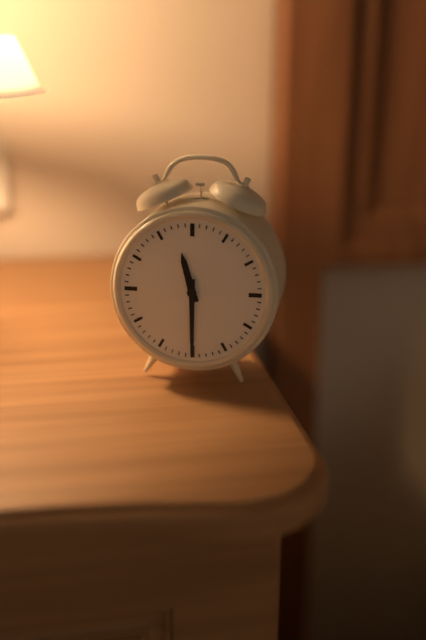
h=11 m=30
